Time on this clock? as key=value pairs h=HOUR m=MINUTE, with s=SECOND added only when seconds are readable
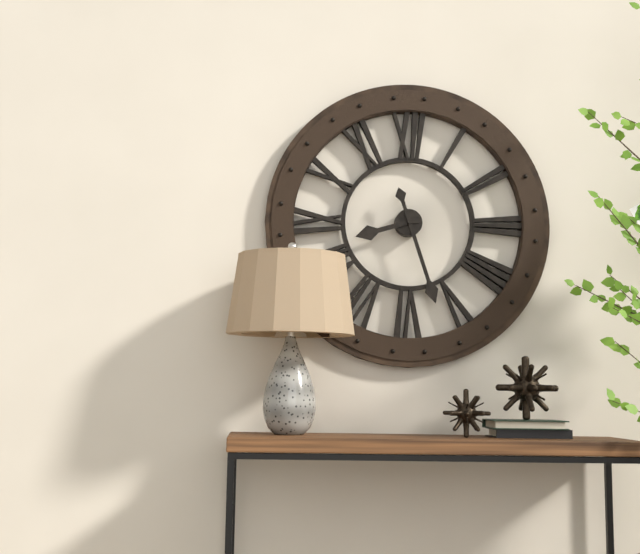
h=8 m=27
